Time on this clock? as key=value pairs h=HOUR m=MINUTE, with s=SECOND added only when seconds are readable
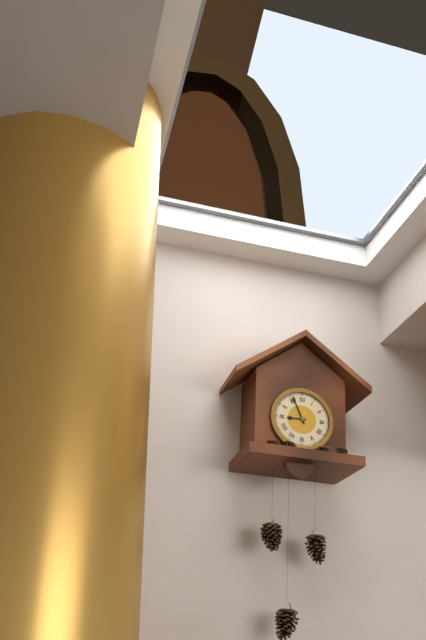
h=8 m=56
